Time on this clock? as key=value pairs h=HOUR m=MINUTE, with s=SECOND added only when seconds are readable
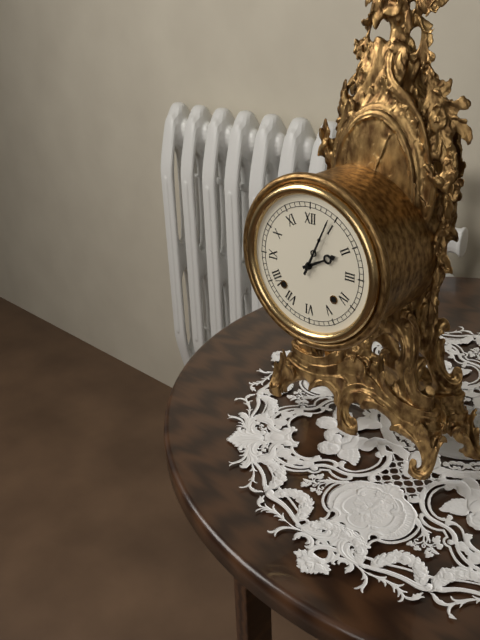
h=2 m=4
